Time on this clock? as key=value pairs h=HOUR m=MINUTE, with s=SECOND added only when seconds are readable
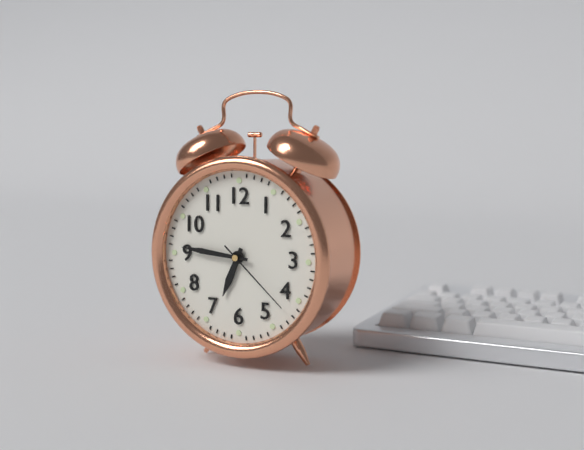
h=6 m=46 s=22
